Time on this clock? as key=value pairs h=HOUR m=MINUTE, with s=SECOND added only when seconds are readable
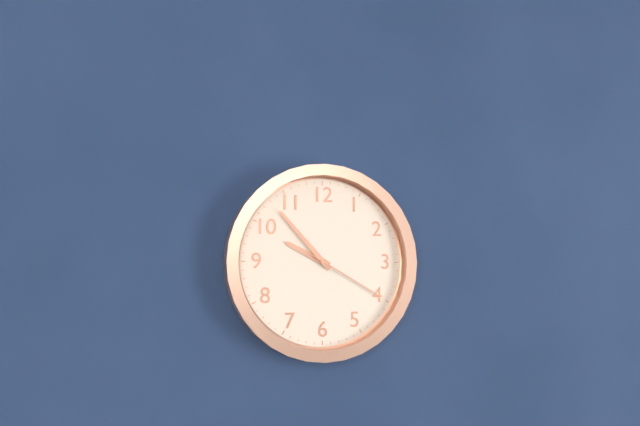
h=9 m=53 s=20
